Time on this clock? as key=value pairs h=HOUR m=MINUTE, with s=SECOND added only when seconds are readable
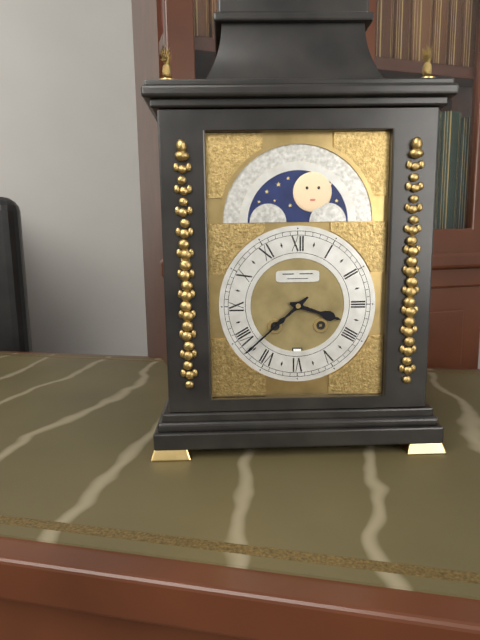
h=3 m=38
